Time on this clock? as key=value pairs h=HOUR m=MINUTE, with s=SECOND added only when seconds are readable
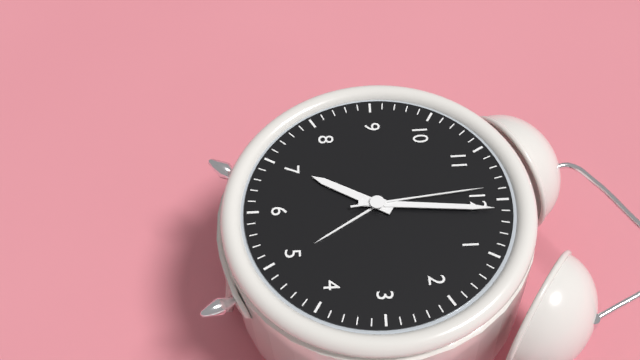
h=7 m=1 s=59
